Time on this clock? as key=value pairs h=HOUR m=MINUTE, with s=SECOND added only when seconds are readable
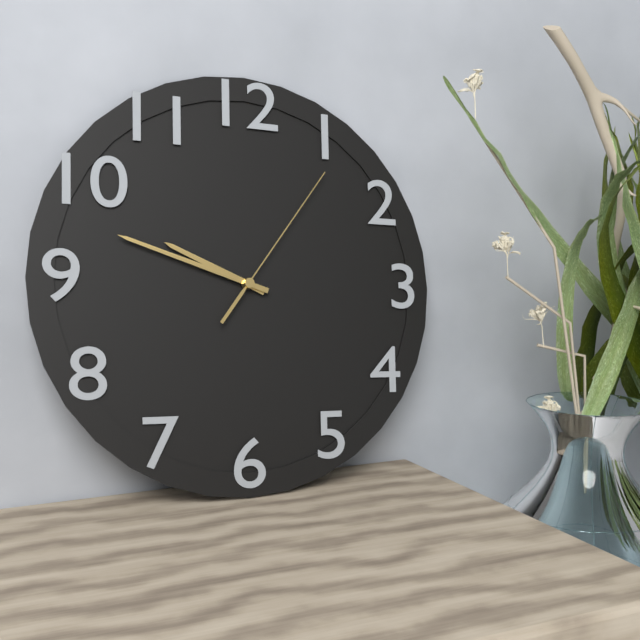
h=9 m=48 s=6
